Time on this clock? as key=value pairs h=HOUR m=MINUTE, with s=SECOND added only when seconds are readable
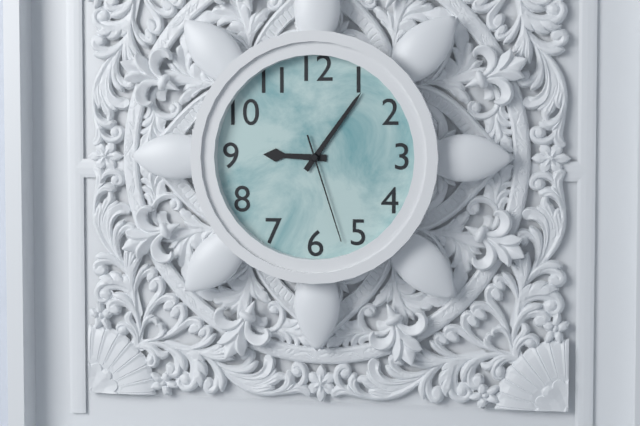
h=9 m=6 s=27
